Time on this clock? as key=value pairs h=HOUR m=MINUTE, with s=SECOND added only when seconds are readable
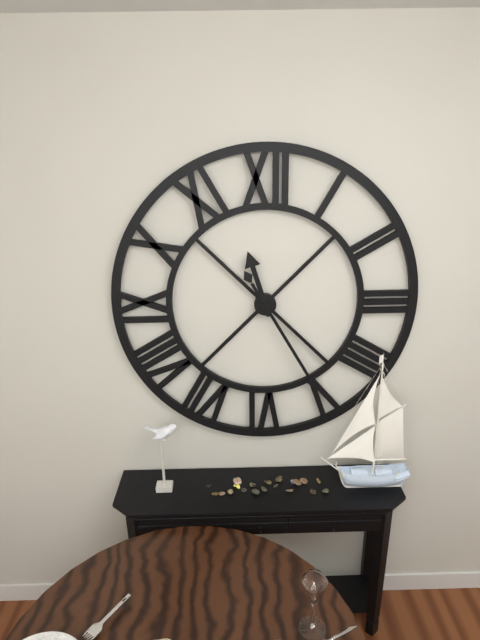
h=11 m=25
